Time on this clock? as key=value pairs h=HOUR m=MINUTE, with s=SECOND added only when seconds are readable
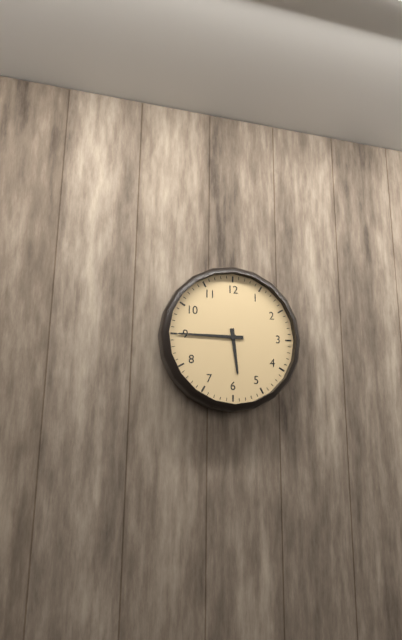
h=5 m=45
